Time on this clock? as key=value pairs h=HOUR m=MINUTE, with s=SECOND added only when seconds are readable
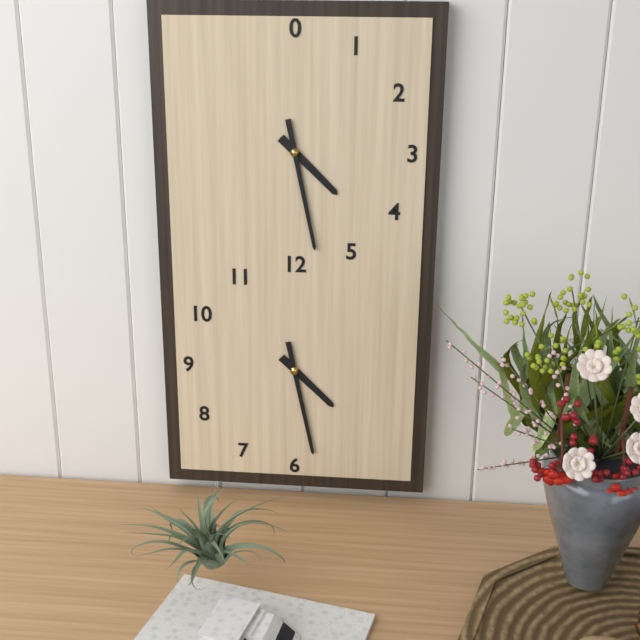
h=4 m=28
